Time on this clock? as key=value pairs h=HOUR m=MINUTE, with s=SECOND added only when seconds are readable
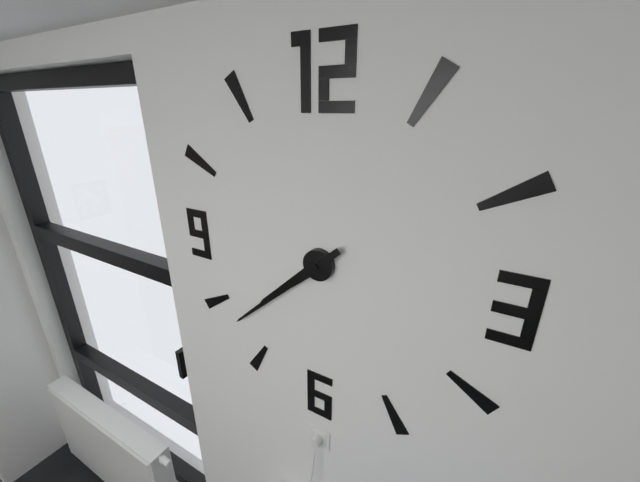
h=7 m=38
